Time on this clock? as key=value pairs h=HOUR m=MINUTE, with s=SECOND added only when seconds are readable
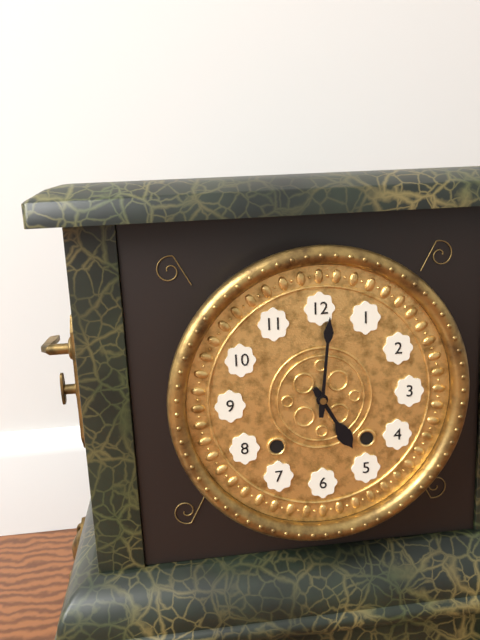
h=5 m=1
